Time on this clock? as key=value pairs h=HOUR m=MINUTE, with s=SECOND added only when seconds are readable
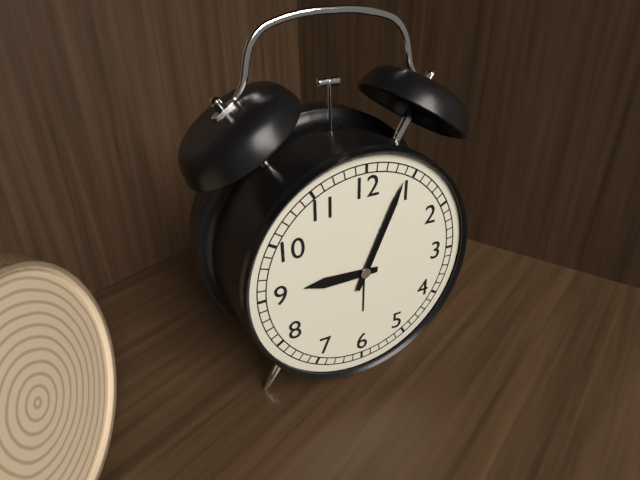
h=9 m=4
